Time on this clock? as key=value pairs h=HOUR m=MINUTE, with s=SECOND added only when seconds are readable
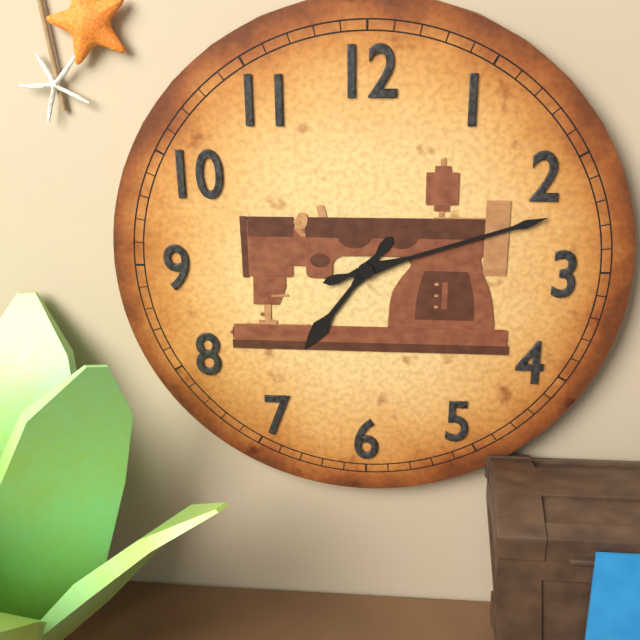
h=7 m=12
